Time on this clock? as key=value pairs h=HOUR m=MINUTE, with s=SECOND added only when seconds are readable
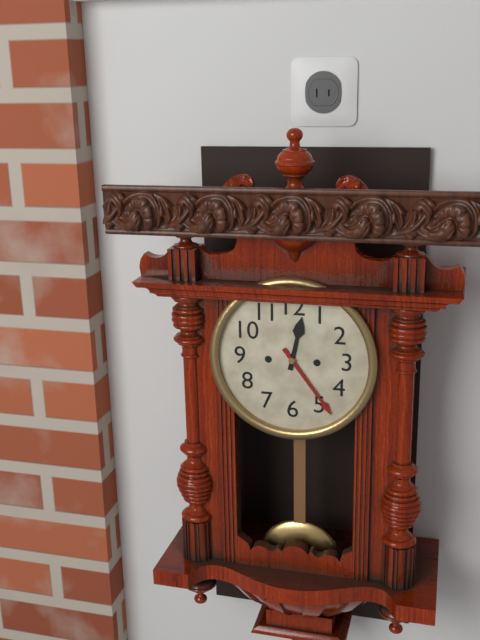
h=12 m=24
